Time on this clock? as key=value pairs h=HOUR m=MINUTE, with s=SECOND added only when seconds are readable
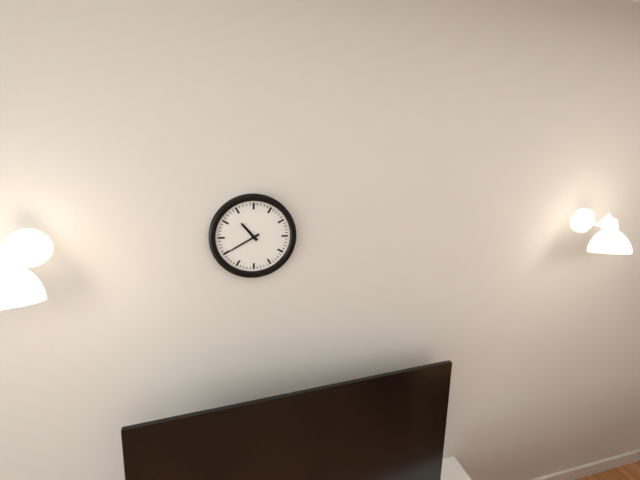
h=10 m=40
